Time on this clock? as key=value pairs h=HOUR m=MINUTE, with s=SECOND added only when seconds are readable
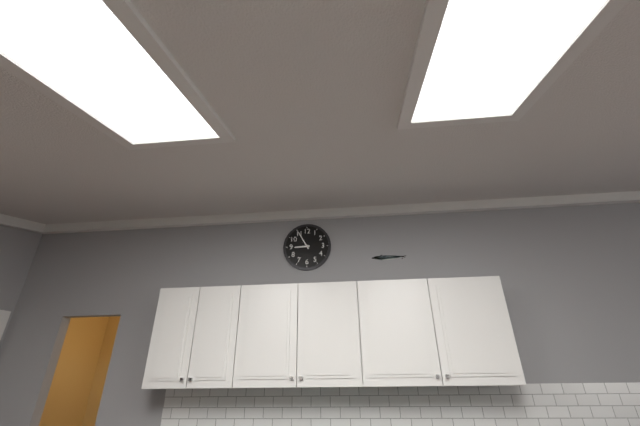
h=8 m=55
